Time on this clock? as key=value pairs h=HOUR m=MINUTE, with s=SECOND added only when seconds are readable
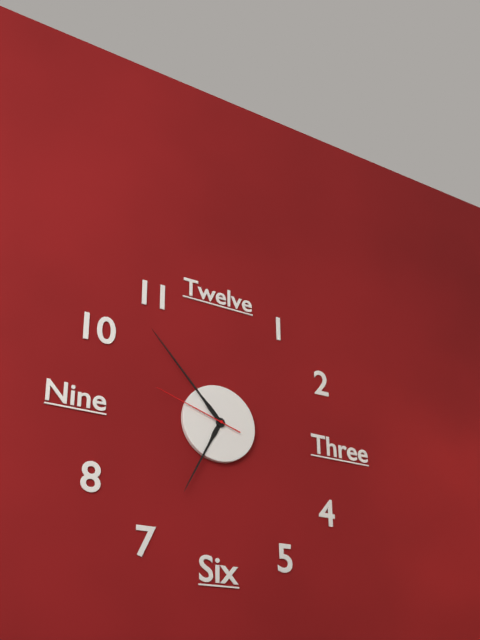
h=6 m=53 s=48
